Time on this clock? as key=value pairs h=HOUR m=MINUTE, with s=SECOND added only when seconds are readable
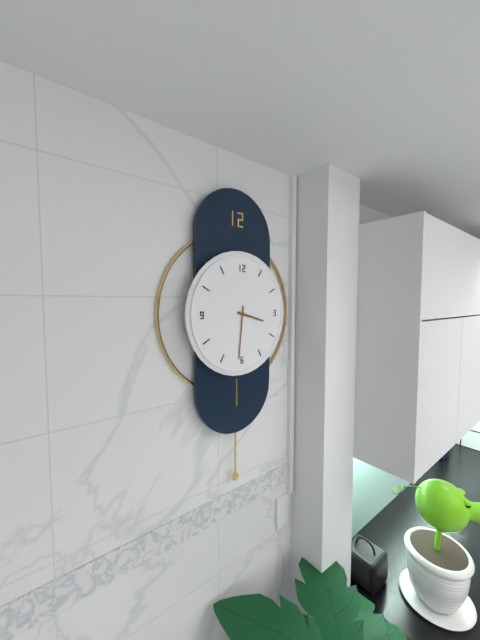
h=3 m=31
